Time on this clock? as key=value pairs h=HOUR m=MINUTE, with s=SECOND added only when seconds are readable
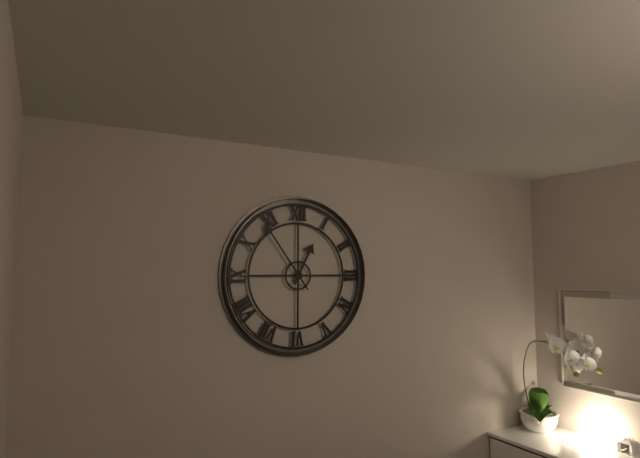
h=12 m=54
